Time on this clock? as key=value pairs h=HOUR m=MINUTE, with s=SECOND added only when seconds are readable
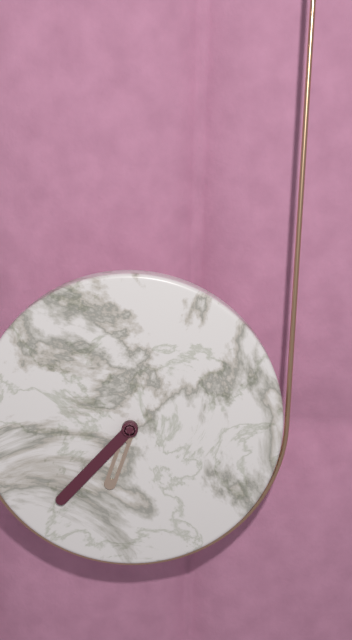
h=6 m=37
